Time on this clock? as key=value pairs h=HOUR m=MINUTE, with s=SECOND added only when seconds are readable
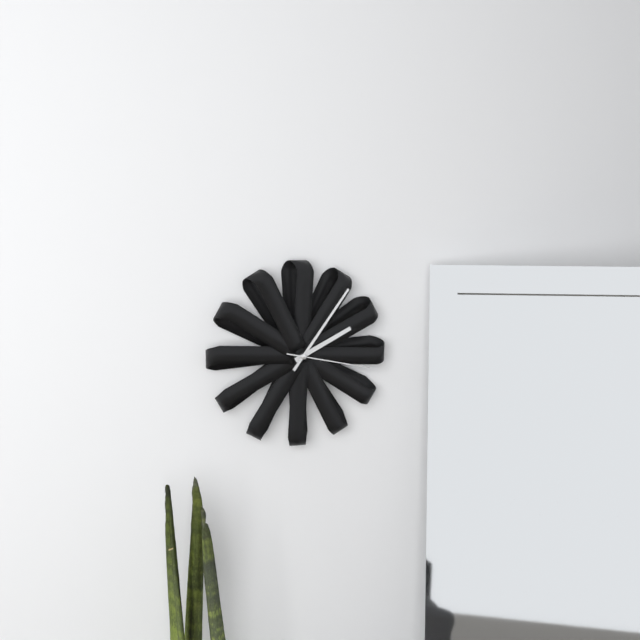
h=2 m=6 s=17
